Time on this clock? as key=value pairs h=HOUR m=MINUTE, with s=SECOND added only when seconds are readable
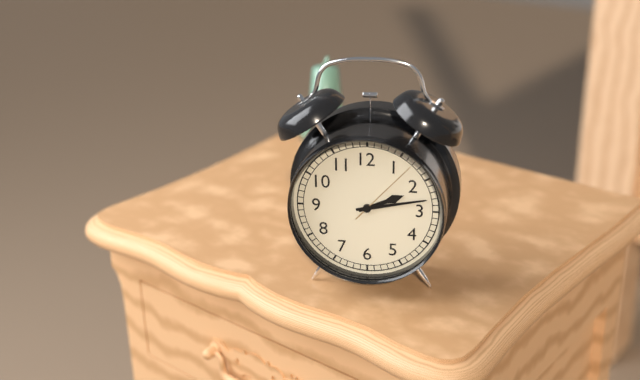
h=2 m=13 s=7
